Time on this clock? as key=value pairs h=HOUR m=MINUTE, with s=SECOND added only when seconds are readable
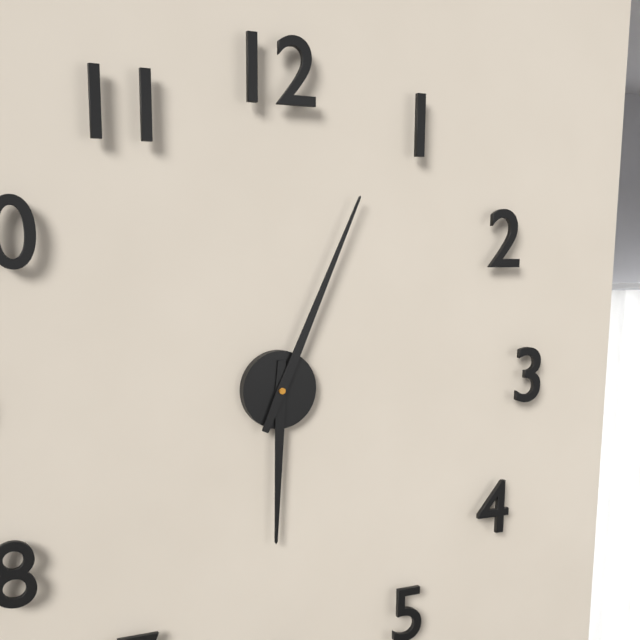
h=6 m=4
